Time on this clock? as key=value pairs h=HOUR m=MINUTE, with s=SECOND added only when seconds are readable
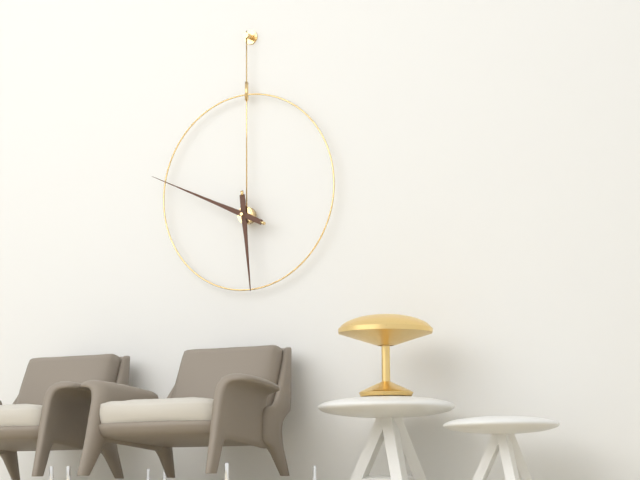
h=5 m=49
